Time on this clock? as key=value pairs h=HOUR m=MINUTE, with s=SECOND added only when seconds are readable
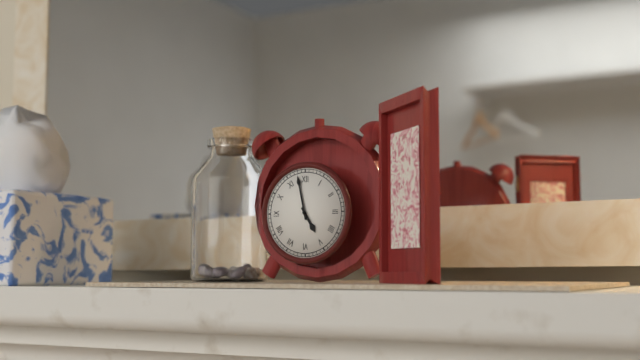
h=4 m=58
